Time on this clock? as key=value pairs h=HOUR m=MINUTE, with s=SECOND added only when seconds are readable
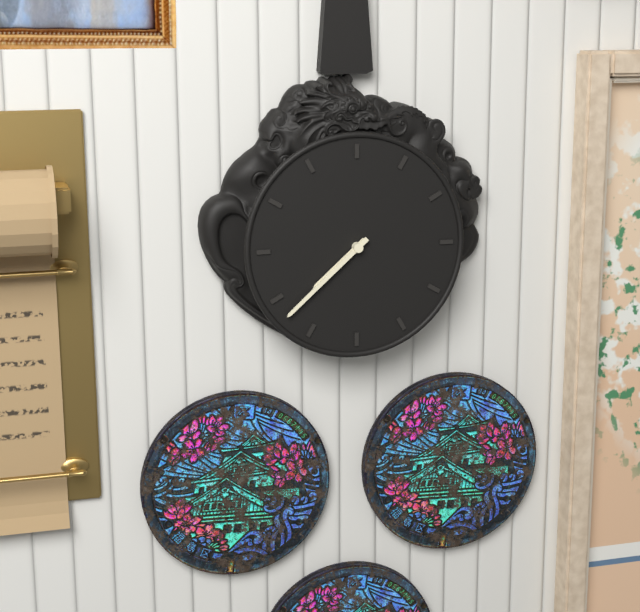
h=7 m=38
